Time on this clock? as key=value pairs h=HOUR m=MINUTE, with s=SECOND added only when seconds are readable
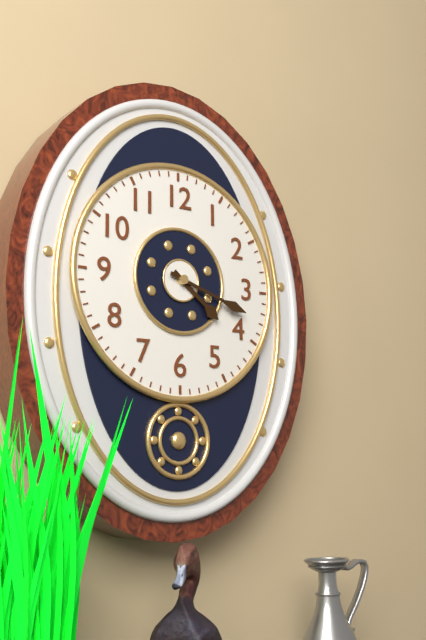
h=4 m=18
